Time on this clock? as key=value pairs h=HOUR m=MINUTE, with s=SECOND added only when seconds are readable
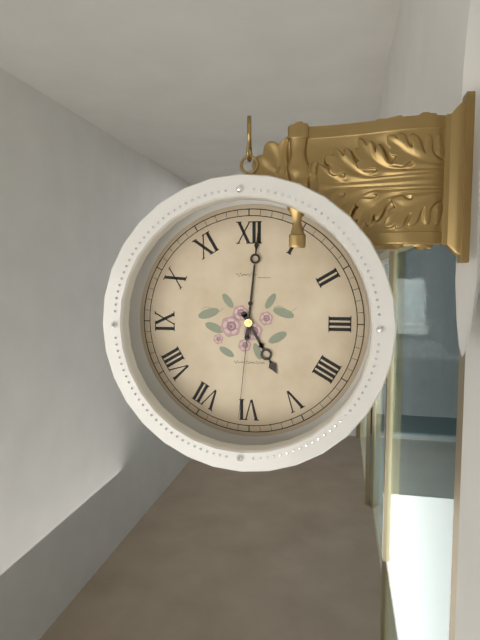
h=5 m=1 s=31
